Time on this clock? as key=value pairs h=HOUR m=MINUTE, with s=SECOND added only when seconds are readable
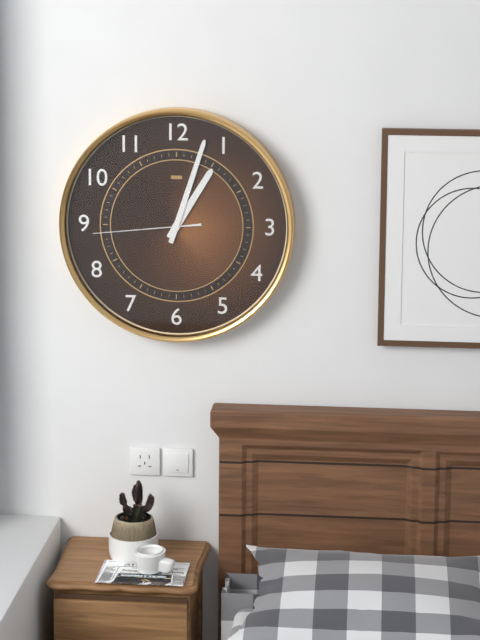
h=1 m=3 s=44
